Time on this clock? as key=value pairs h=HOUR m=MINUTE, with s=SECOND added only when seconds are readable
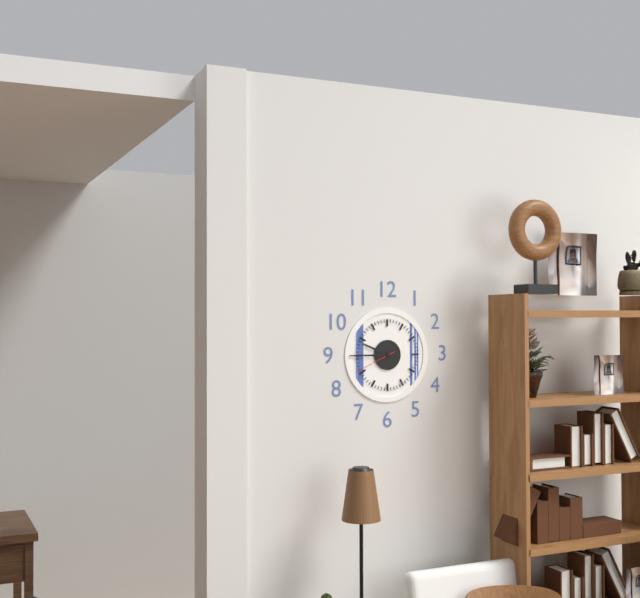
h=9 m=45
